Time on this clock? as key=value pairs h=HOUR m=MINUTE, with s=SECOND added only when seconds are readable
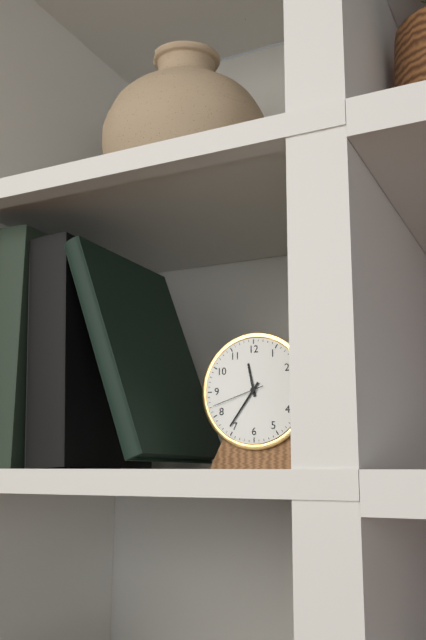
h=11 m=36 s=42
